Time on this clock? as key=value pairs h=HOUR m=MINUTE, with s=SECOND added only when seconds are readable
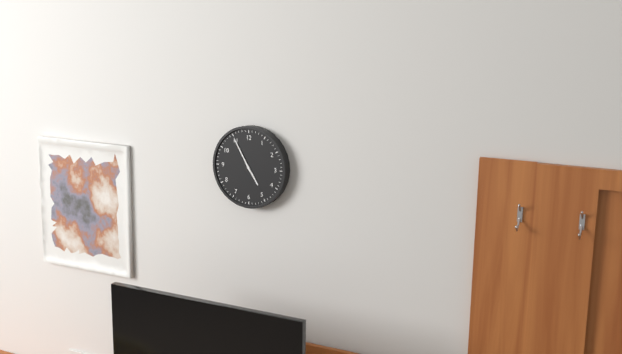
h=4 m=55
